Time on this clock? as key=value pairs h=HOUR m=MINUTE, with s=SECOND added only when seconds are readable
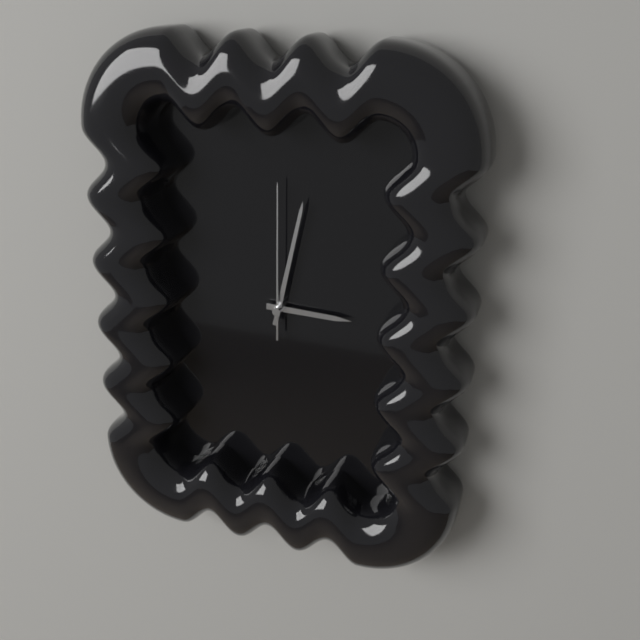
h=3 m=2 s=0
